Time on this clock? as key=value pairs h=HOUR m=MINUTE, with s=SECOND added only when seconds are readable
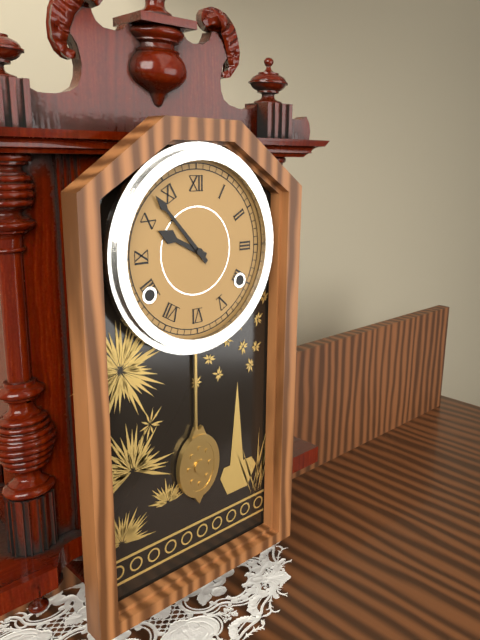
h=9 m=53
